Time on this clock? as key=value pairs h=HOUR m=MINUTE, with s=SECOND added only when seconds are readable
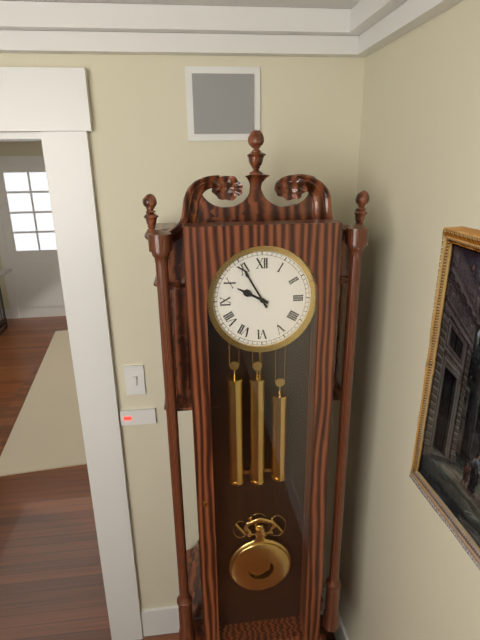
h=9 m=55
